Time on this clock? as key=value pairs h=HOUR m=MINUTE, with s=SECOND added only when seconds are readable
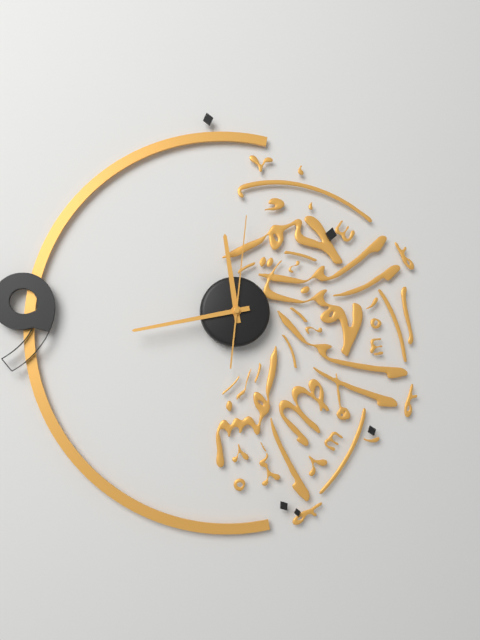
h=11 m=43 s=1
